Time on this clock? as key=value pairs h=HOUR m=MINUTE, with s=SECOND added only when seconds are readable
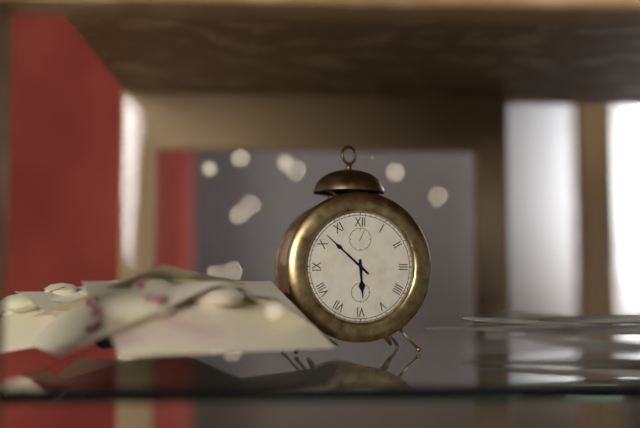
h=5 m=52
